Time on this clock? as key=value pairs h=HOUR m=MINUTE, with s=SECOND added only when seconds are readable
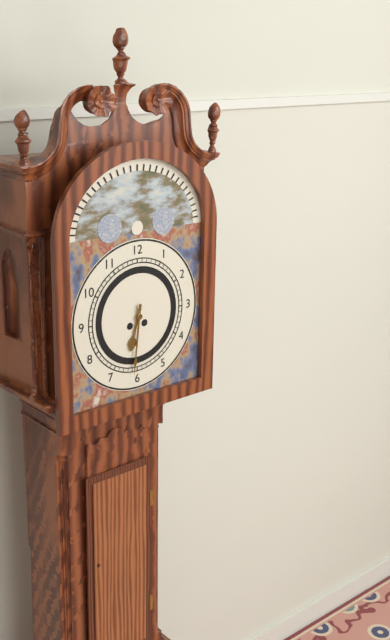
h=6 m=31
